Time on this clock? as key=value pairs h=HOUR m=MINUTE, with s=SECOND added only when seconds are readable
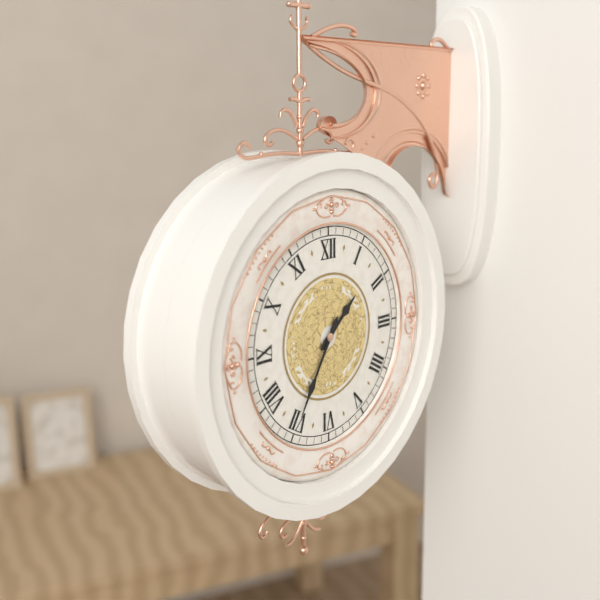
h=1 m=35
